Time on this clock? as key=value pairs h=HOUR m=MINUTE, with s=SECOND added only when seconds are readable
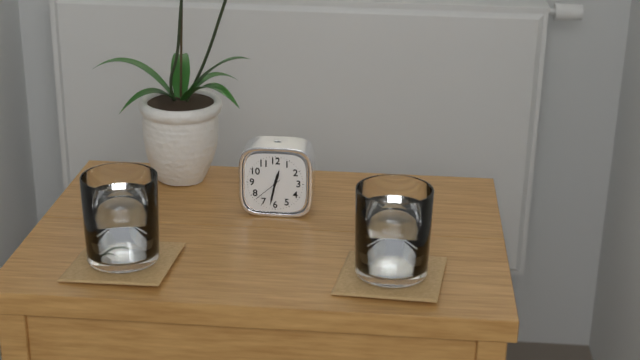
h=12 m=32
